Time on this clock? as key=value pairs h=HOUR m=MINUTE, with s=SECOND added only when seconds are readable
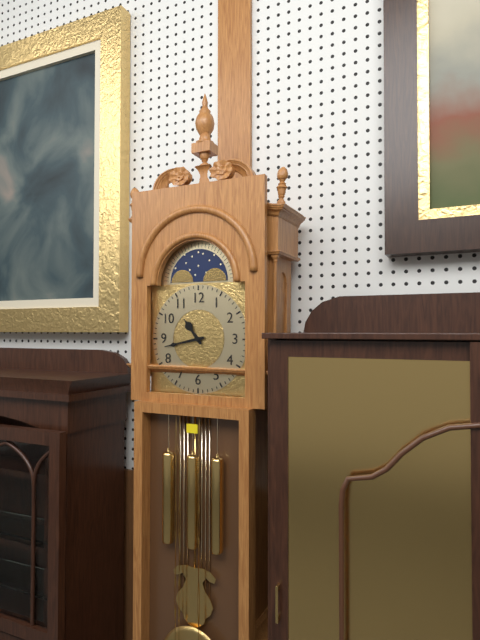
h=10 m=43
